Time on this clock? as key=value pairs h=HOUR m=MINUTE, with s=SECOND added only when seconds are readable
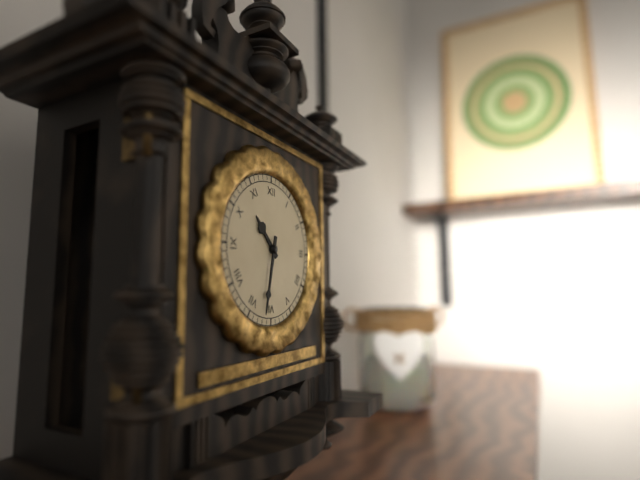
h=10 m=32
